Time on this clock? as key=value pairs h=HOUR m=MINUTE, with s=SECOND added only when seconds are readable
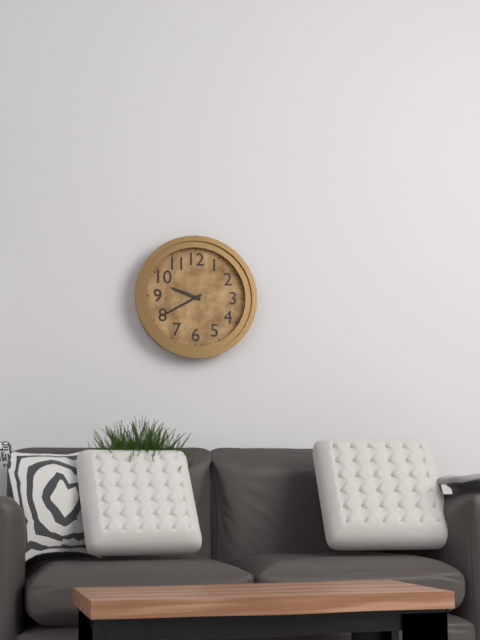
h=9 m=40
